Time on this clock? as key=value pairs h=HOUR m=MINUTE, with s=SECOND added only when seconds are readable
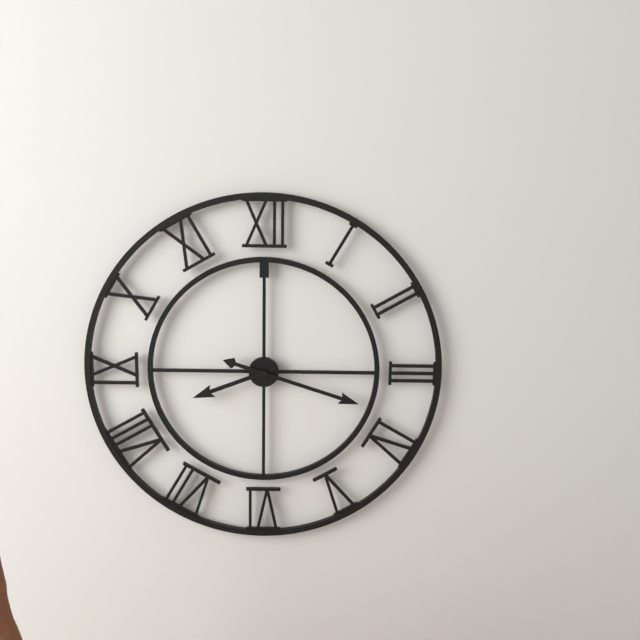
h=8 m=18
